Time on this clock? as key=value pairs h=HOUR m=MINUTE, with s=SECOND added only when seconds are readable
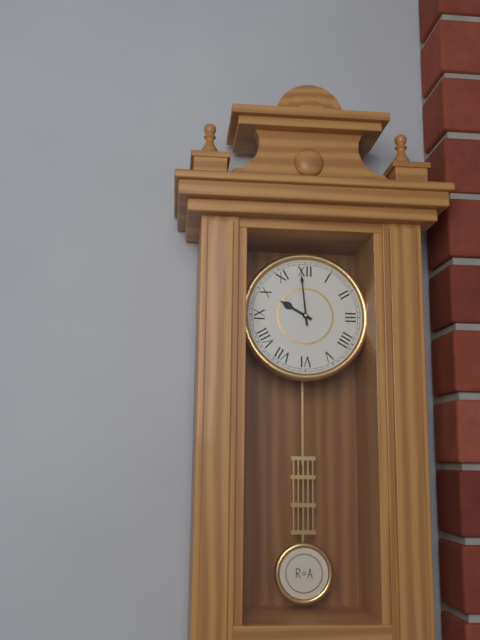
h=9 m=59
